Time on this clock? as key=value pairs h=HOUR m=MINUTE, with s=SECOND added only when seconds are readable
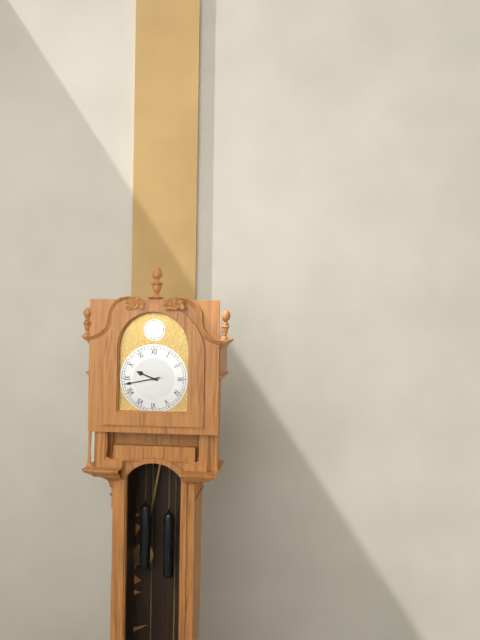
h=9 m=43
